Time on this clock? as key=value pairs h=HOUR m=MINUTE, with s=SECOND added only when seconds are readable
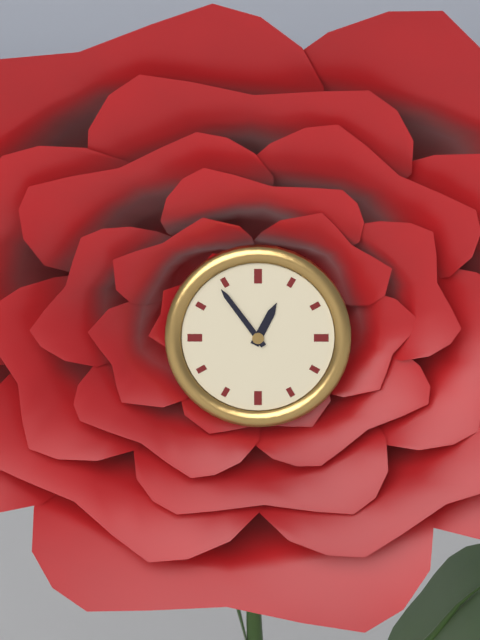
h=12 m=54
